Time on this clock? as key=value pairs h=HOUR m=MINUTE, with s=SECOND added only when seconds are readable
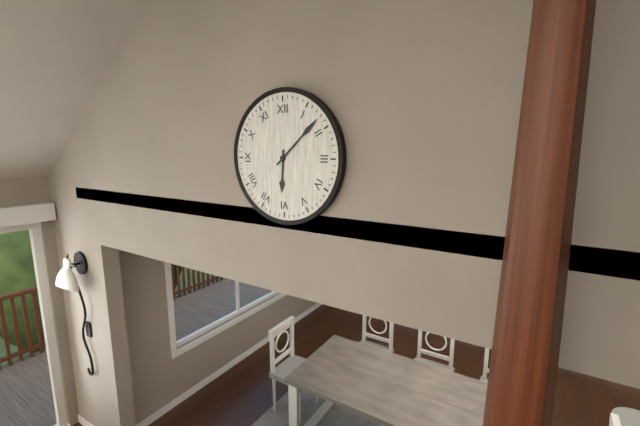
h=6 m=8
